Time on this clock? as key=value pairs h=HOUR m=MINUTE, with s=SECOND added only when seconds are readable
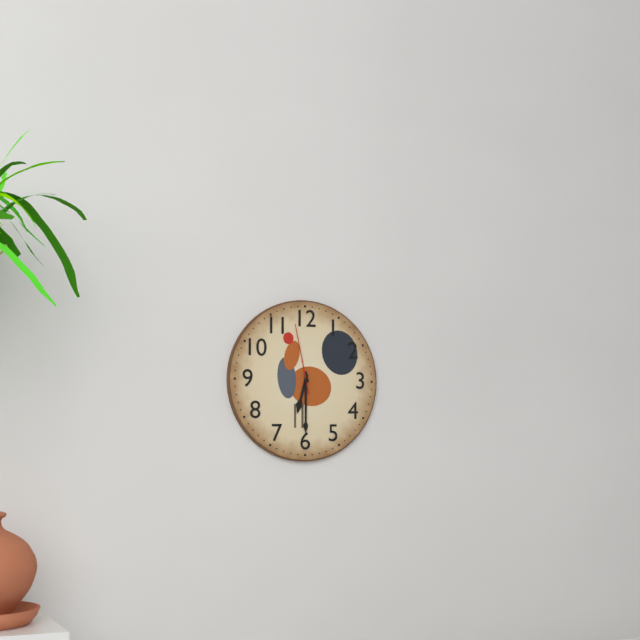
h=6 m=30 s=58
